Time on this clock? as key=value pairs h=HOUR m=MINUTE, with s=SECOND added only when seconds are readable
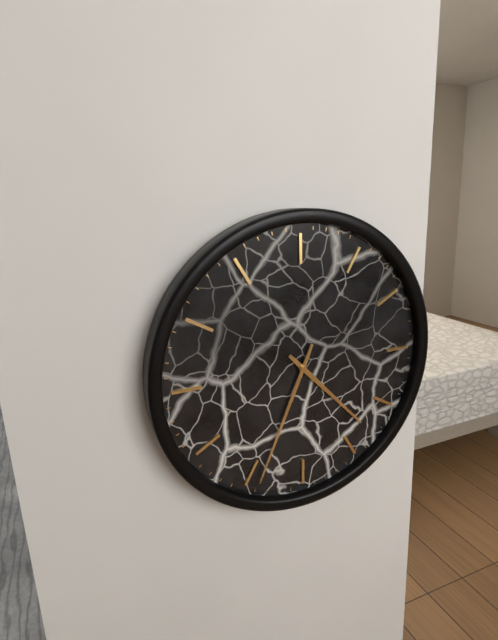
h=4 m=34
